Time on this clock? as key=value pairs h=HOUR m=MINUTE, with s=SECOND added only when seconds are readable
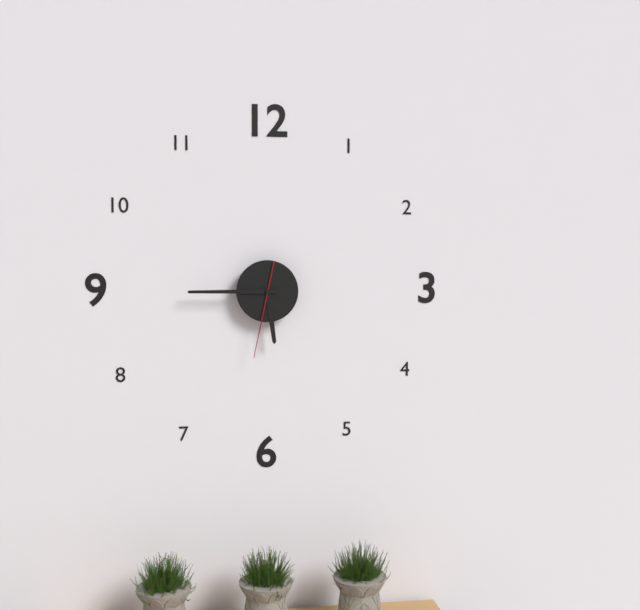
h=5 m=45 s=32
